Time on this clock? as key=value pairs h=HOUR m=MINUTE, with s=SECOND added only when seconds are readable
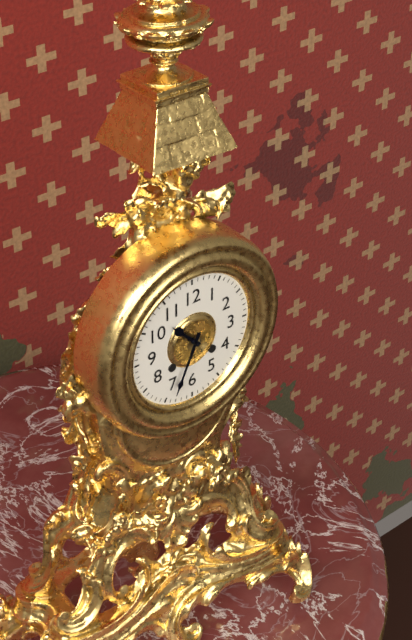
h=10 m=34
